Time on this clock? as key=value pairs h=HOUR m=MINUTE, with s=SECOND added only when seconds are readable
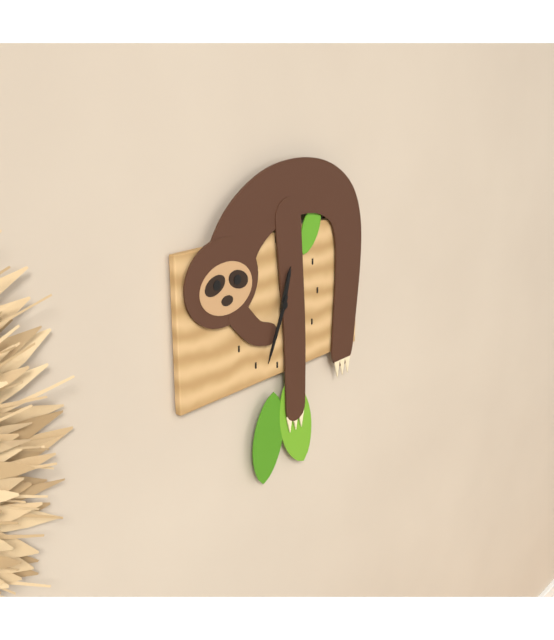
h=12 m=34
